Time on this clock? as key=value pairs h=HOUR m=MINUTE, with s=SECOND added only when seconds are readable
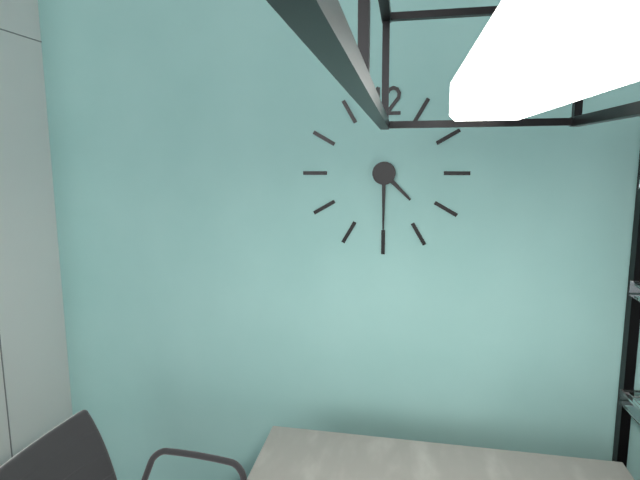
h=4 m=30
